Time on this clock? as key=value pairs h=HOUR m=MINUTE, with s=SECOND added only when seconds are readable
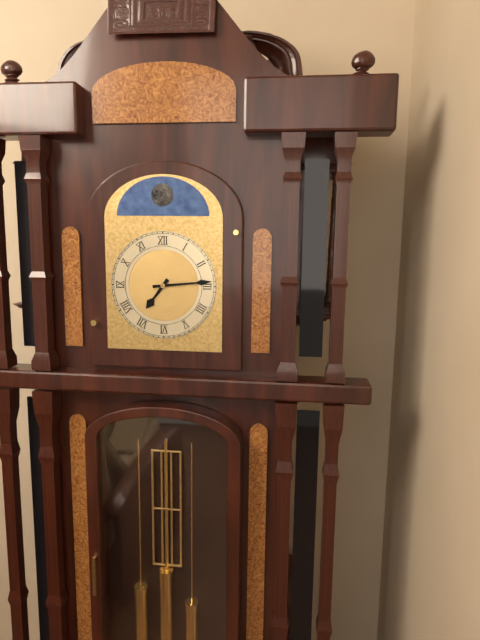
h=7 m=14
